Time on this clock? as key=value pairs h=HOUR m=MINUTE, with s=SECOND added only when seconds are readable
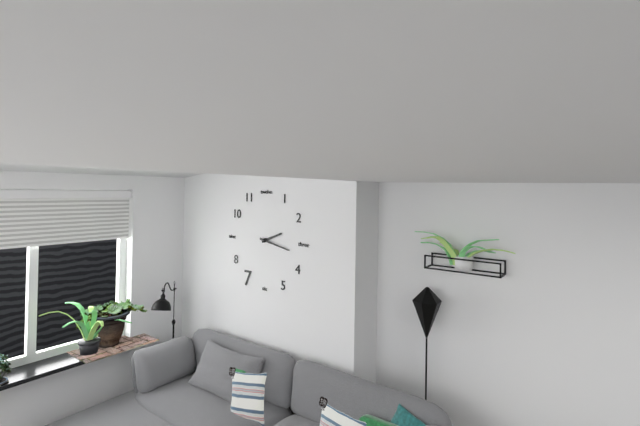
h=2 m=17
